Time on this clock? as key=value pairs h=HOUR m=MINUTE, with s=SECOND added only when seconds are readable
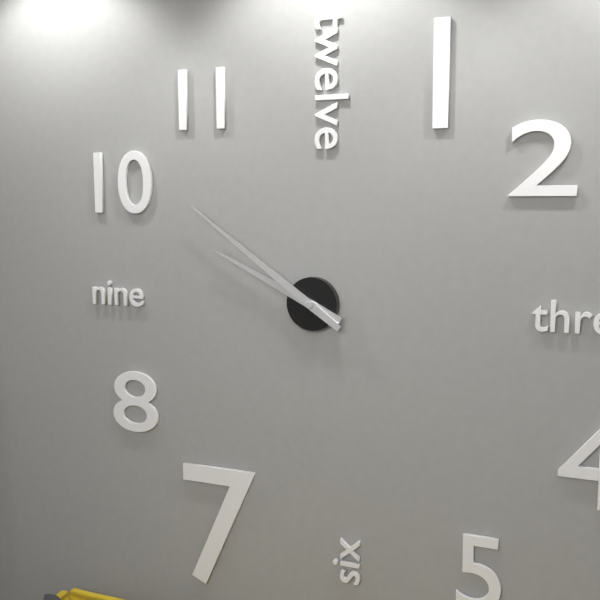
h=9 m=51
